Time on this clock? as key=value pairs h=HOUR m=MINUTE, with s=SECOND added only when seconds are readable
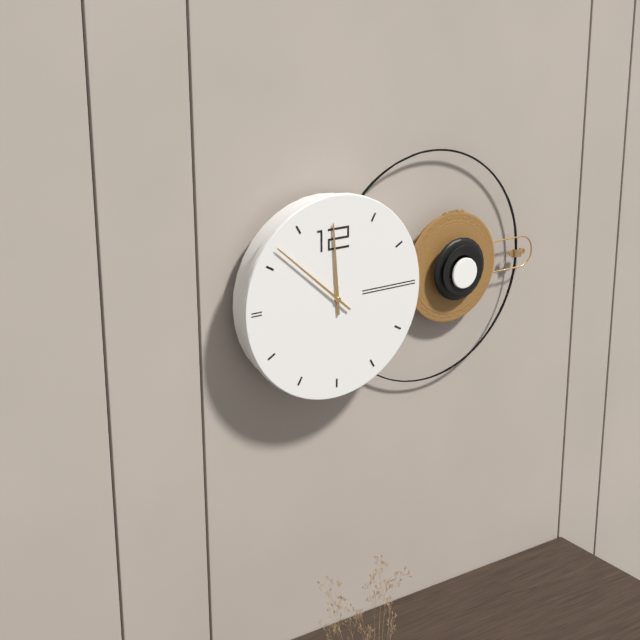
h=11 m=52
